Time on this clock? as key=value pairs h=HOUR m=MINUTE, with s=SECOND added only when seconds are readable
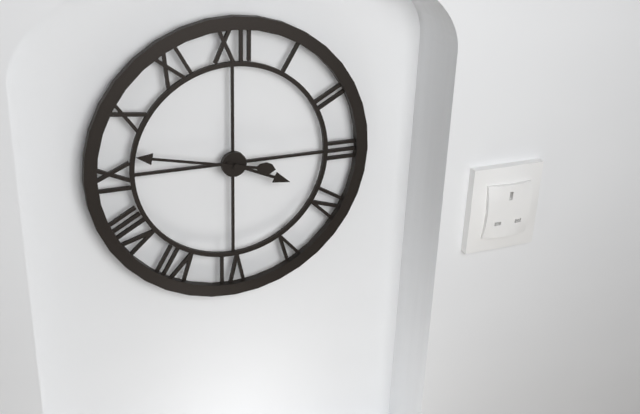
h=3 m=47
